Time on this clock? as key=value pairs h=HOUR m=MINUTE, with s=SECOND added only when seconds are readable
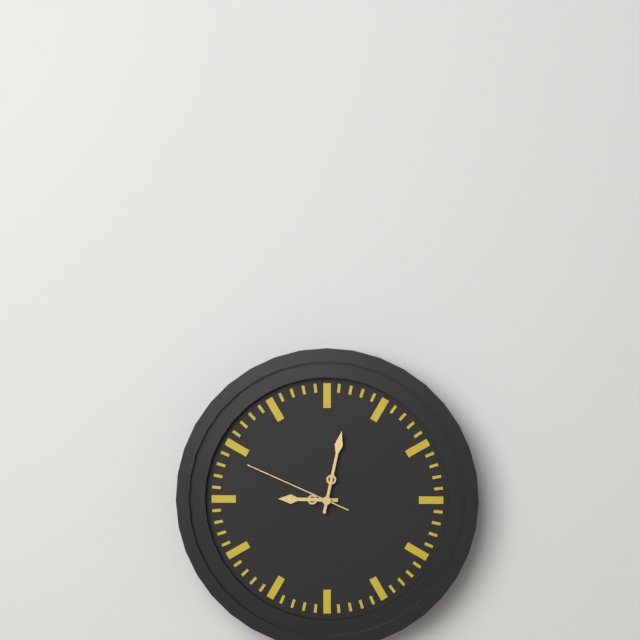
h=9 m=2 s=49
